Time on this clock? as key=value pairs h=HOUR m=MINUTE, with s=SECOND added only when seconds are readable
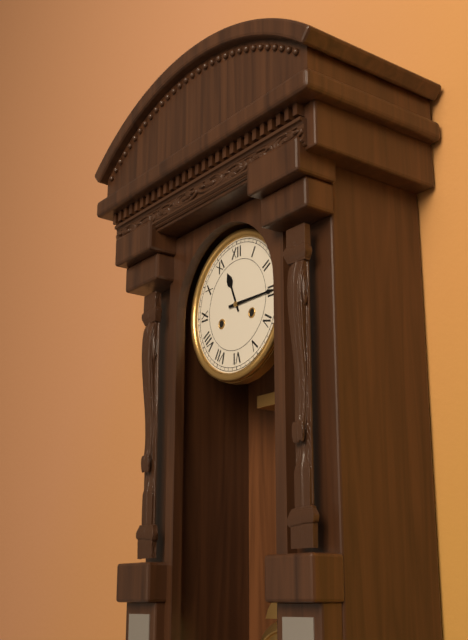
h=11 m=15
